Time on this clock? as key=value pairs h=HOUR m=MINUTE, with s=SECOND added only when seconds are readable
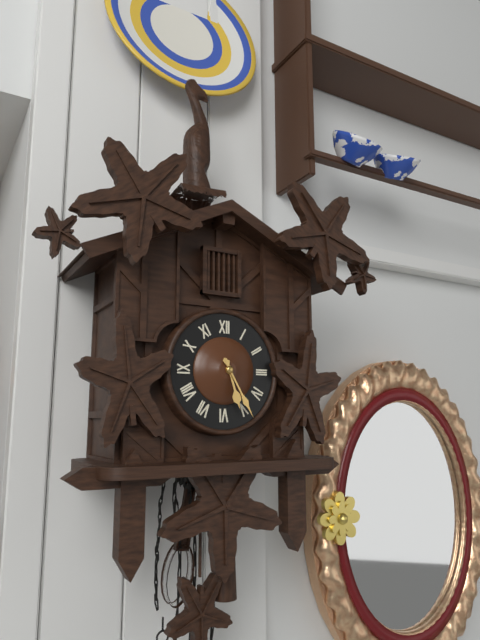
h=5 m=25
